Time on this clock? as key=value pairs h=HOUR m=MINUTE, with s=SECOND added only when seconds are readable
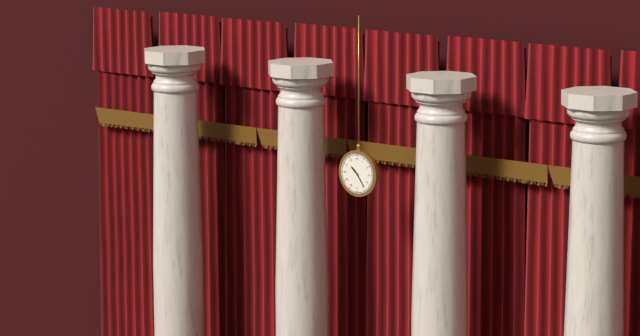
h=10 m=24
